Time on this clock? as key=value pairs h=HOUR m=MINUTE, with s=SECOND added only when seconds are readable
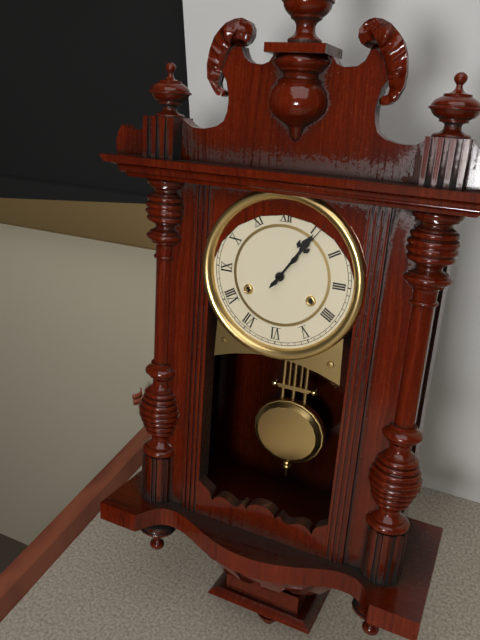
h=1 m=6
